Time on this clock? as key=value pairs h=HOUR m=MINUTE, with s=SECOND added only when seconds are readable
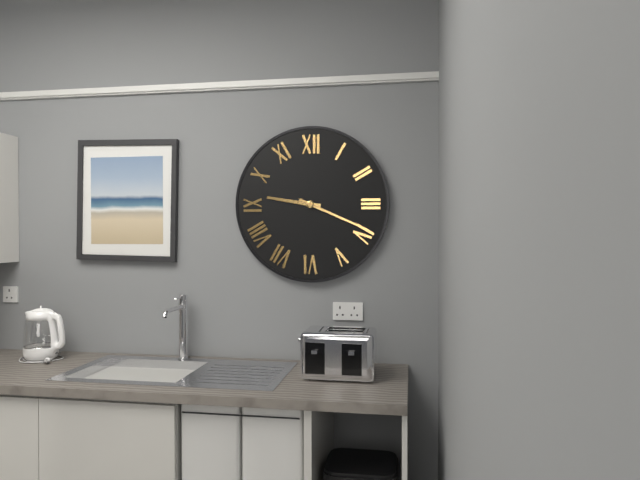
h=9 m=19
